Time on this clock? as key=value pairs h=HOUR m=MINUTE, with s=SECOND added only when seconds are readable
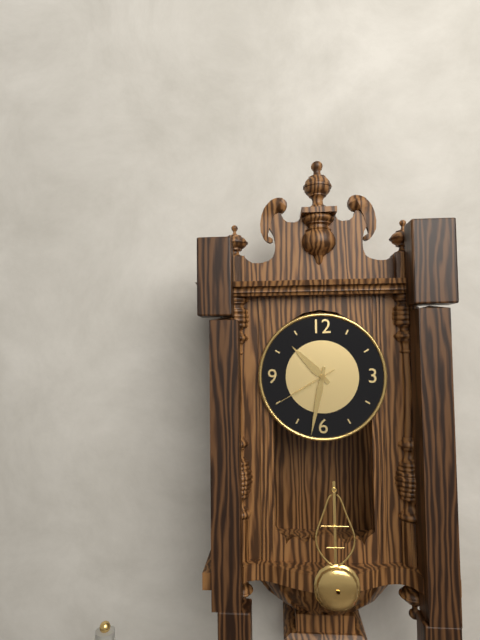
h=10 m=32 s=40
